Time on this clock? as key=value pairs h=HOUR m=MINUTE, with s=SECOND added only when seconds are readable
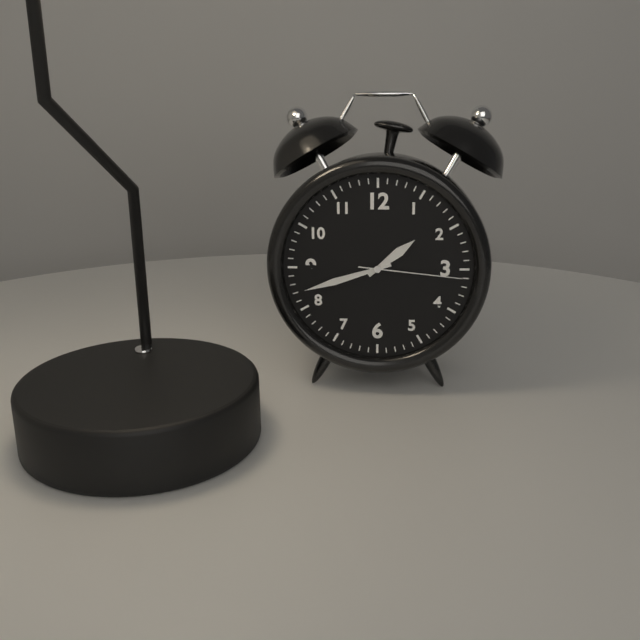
h=1 m=42 s=16
